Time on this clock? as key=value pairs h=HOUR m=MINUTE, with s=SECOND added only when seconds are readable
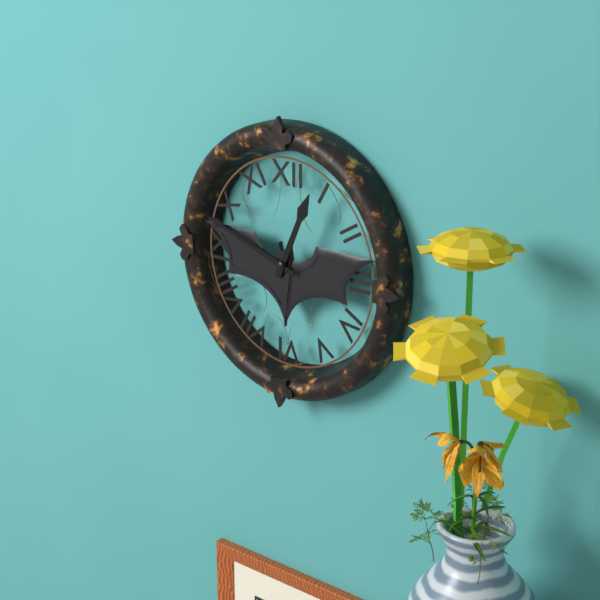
h=12 m=48
